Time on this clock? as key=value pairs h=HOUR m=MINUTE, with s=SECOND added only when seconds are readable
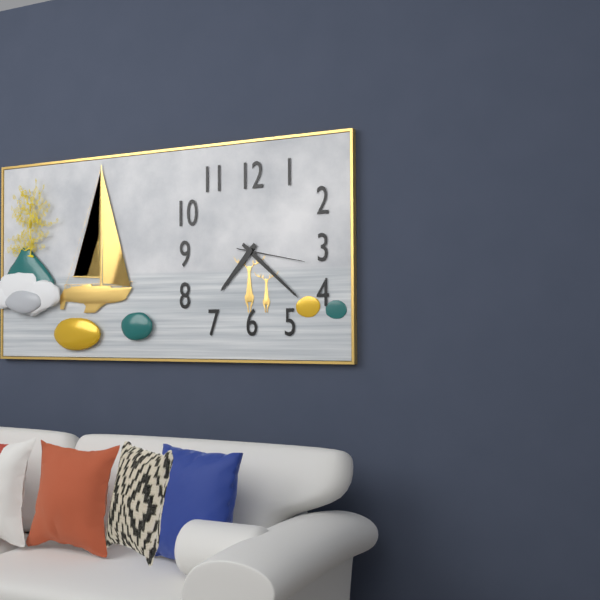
h=7 m=22 s=17
